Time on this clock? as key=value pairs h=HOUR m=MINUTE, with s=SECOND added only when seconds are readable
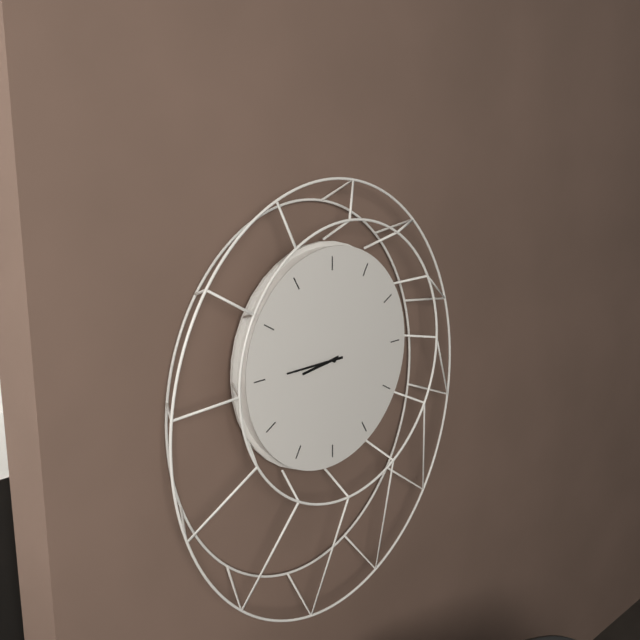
h=8 m=45
